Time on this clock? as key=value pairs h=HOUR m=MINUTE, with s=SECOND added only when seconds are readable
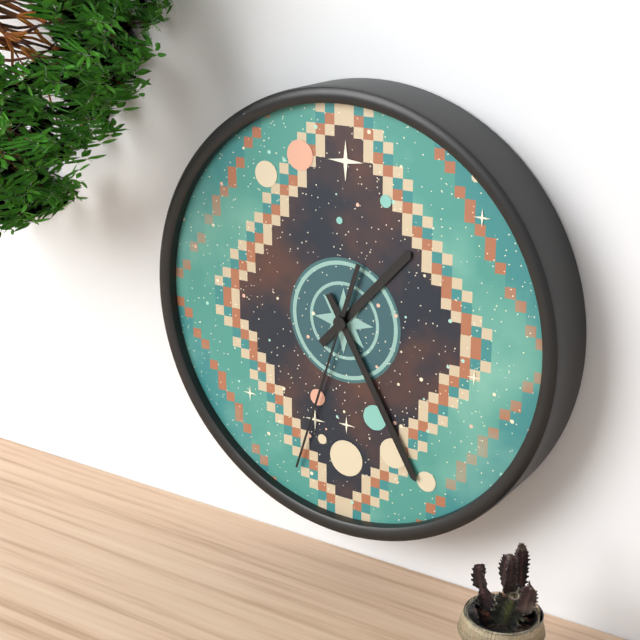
h=1 m=25 s=33
